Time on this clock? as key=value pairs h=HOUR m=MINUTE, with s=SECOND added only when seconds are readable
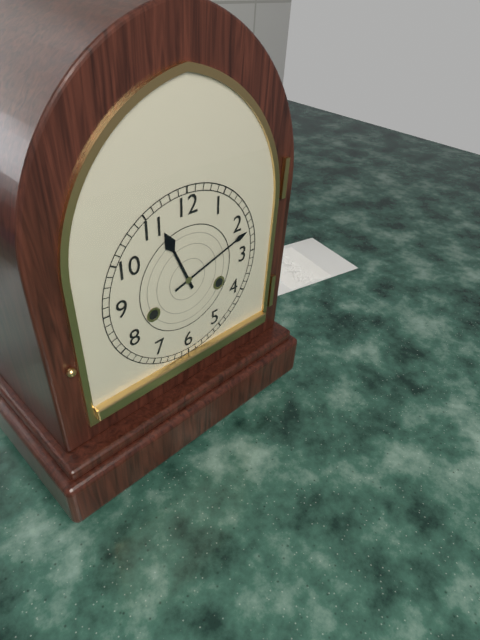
h=11 m=12
